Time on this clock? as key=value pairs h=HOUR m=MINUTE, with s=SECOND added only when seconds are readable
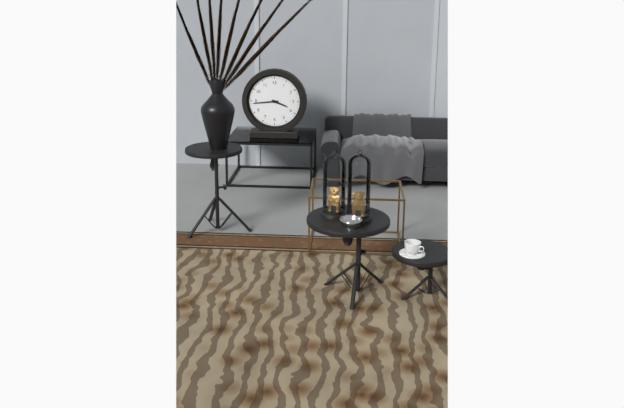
h=3 m=44
